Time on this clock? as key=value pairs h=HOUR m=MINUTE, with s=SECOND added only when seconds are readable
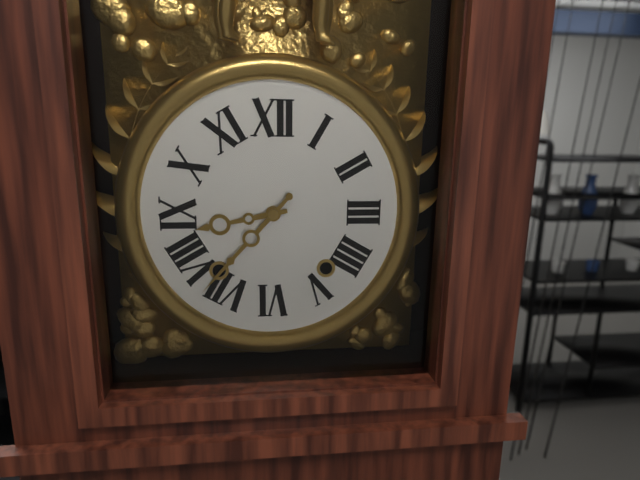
h=8 m=37
